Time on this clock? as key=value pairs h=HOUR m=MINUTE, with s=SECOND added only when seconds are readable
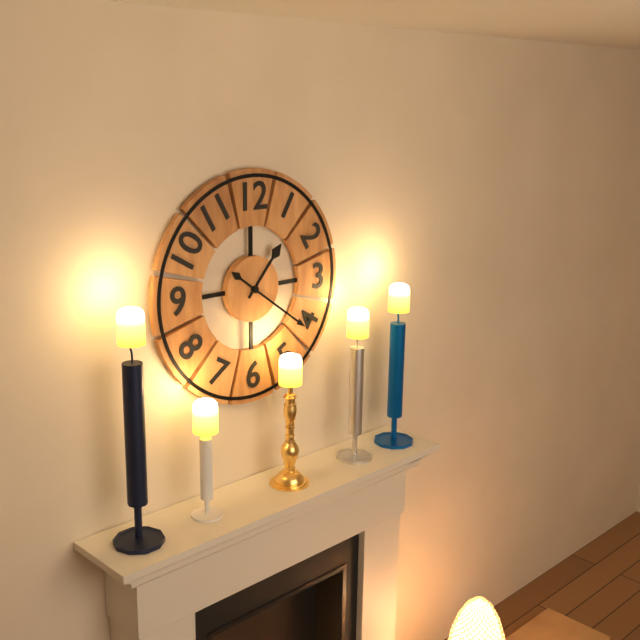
h=1 m=21
